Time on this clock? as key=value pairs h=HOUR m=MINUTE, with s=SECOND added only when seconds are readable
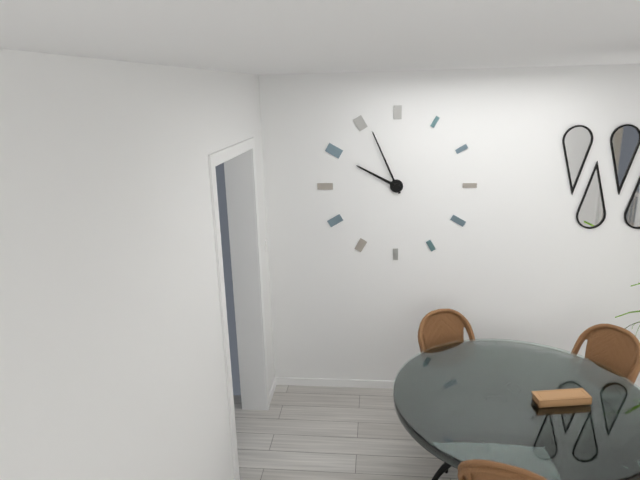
h=9 m=56
